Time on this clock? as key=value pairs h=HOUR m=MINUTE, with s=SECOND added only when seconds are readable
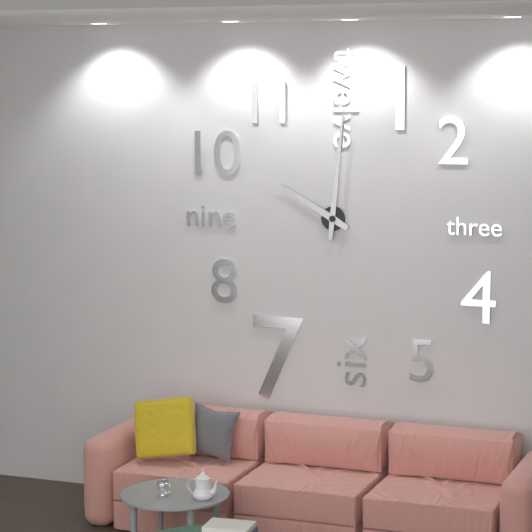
h=10 m=1
